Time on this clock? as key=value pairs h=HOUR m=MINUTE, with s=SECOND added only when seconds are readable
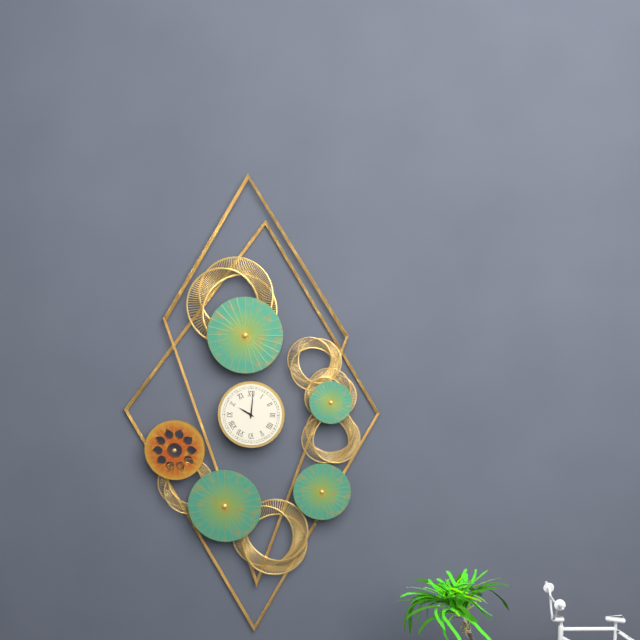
h=10 m=1
